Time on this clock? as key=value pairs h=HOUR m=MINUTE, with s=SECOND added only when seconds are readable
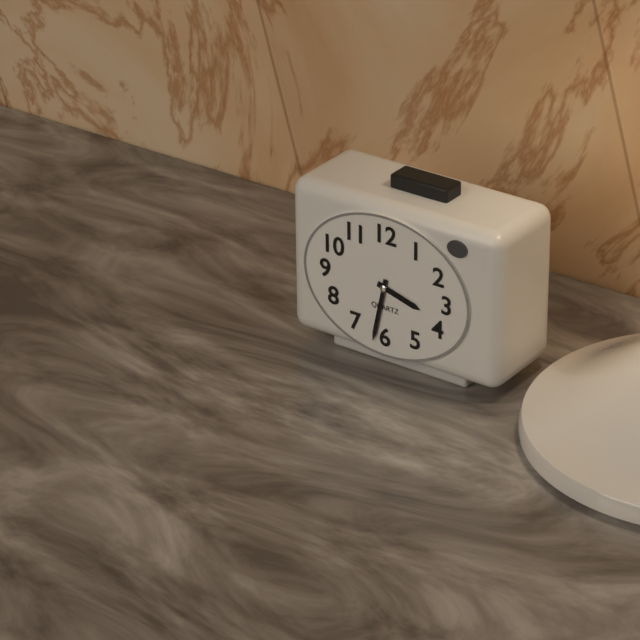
h=3 m=32
